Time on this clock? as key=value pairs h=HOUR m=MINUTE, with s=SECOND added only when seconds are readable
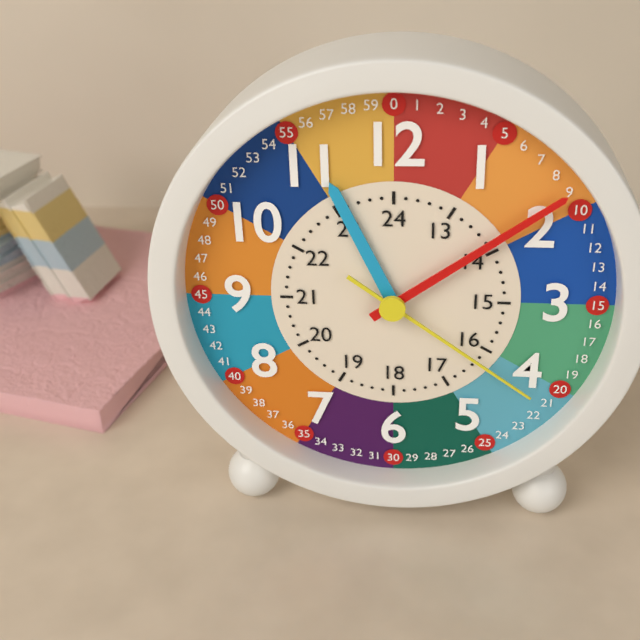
h=11 m=9 s=21
